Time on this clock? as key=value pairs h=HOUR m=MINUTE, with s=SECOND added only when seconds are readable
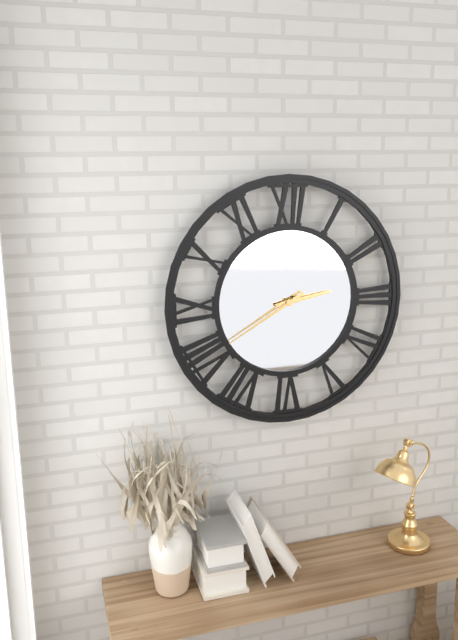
h=2 m=40
